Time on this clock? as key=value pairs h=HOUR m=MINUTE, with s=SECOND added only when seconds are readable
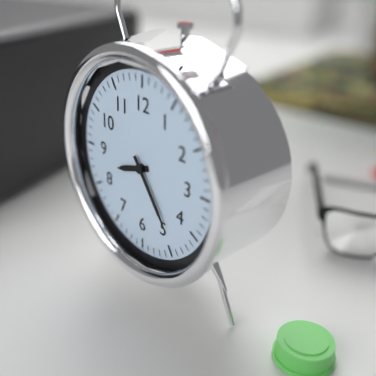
h=8 m=24
